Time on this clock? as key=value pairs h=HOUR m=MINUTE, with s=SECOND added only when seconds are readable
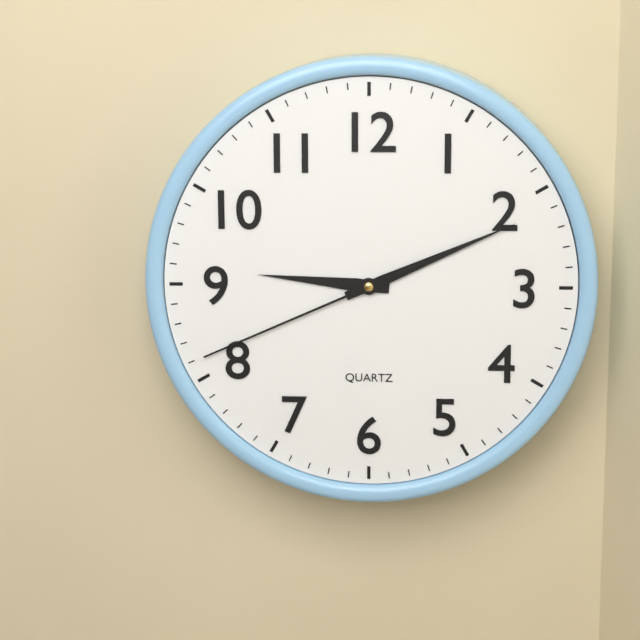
h=9 m=11 s=41
